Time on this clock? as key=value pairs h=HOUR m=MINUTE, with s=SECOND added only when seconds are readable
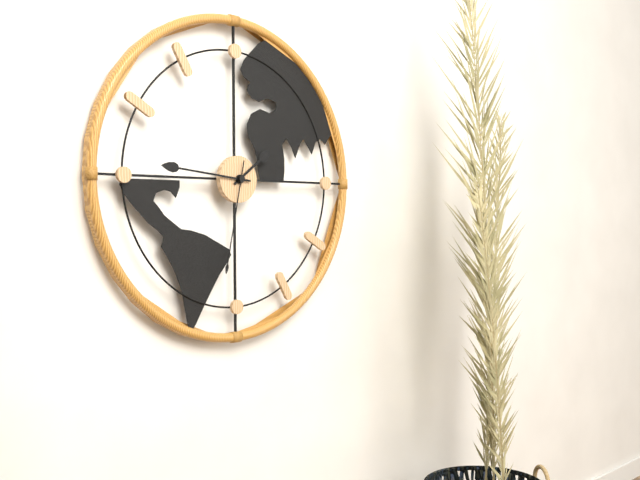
h=1 m=46 s=32
